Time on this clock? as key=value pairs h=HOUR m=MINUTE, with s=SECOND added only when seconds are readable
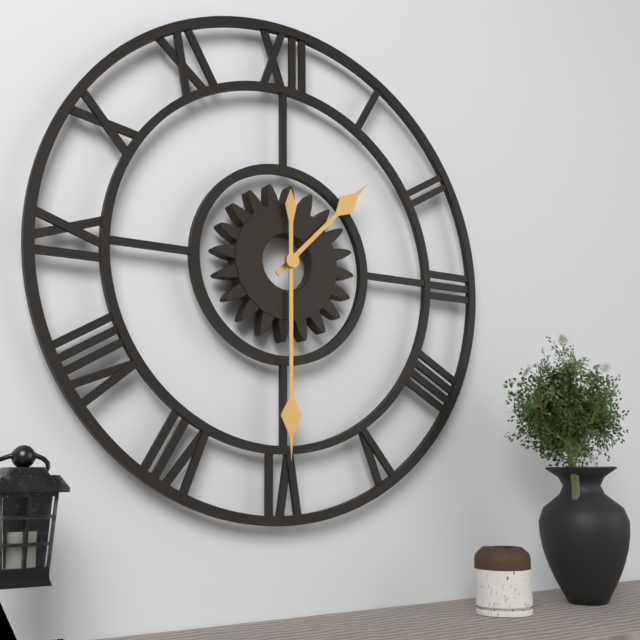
h=1 m=30
